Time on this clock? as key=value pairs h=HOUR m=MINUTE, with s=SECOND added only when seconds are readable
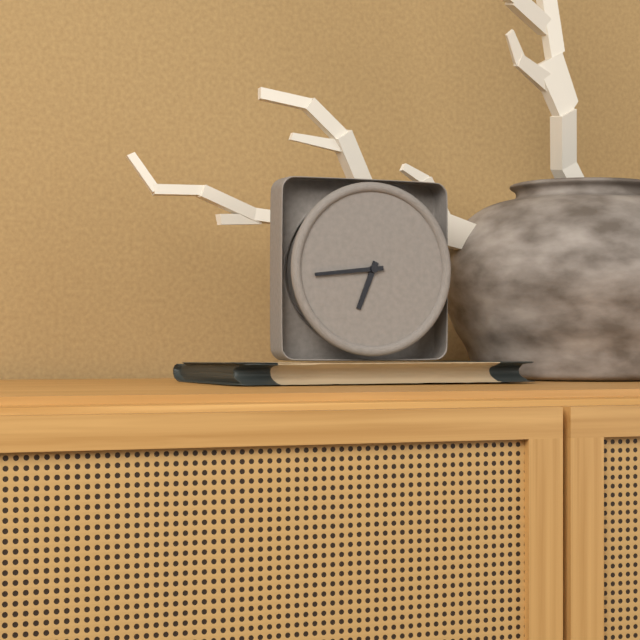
h=6 m=44
